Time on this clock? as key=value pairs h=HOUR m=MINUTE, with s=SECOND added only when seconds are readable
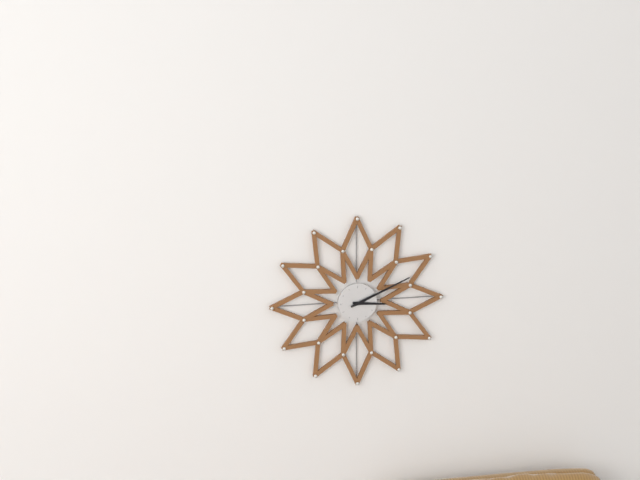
h=3 m=11
